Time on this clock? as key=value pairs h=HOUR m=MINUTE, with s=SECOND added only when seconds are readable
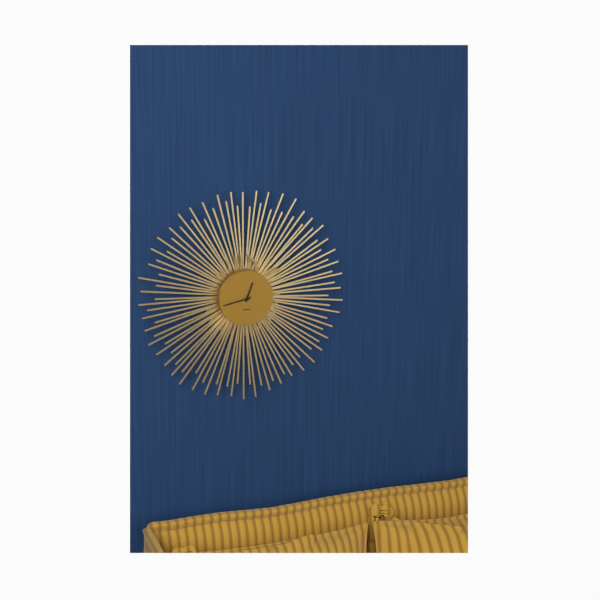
h=12 m=43
